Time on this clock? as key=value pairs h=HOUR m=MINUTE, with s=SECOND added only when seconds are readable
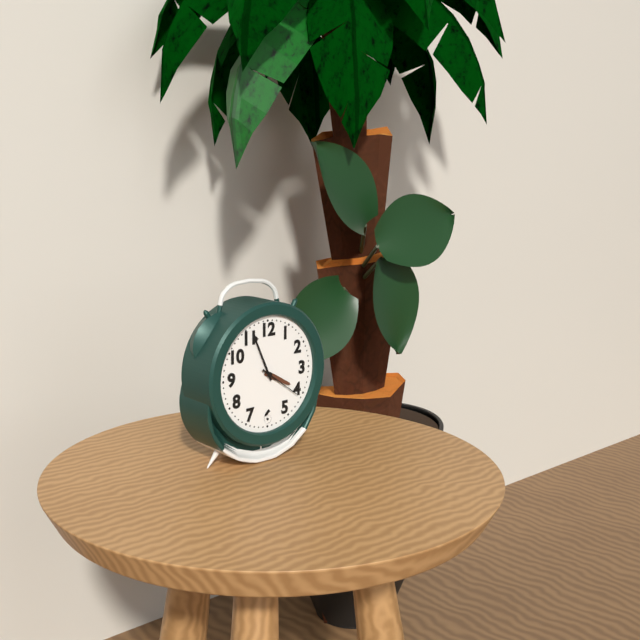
h=3 m=56
